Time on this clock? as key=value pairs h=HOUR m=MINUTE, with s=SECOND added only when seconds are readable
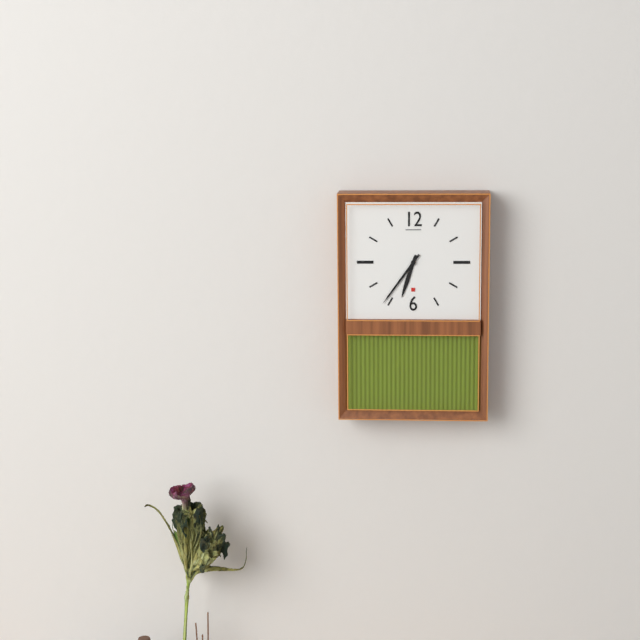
h=6 m=36
